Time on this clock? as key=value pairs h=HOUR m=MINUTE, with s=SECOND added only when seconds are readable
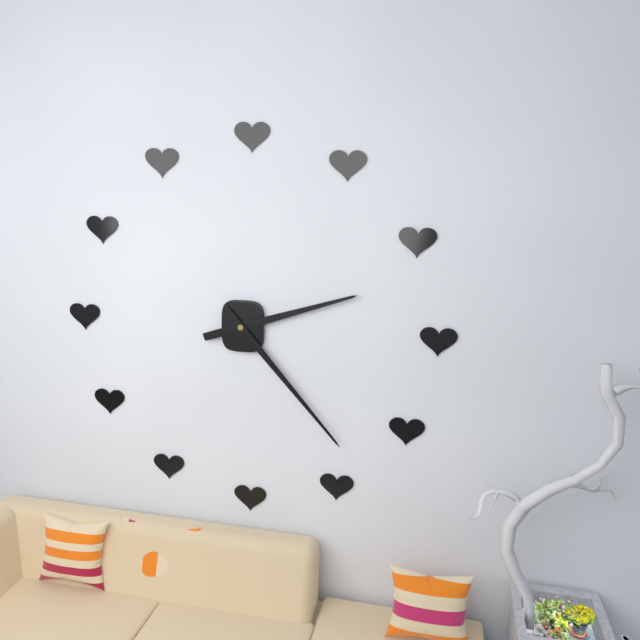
h=2 m=23
